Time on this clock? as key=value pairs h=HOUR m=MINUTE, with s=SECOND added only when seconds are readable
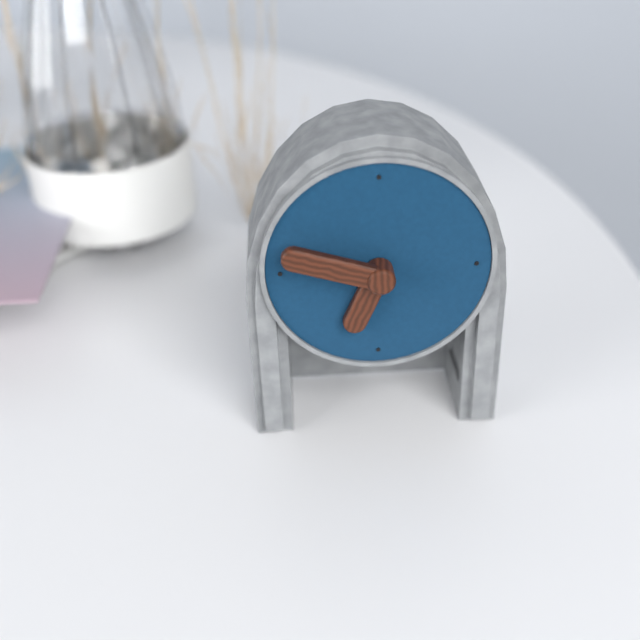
h=6 m=48
